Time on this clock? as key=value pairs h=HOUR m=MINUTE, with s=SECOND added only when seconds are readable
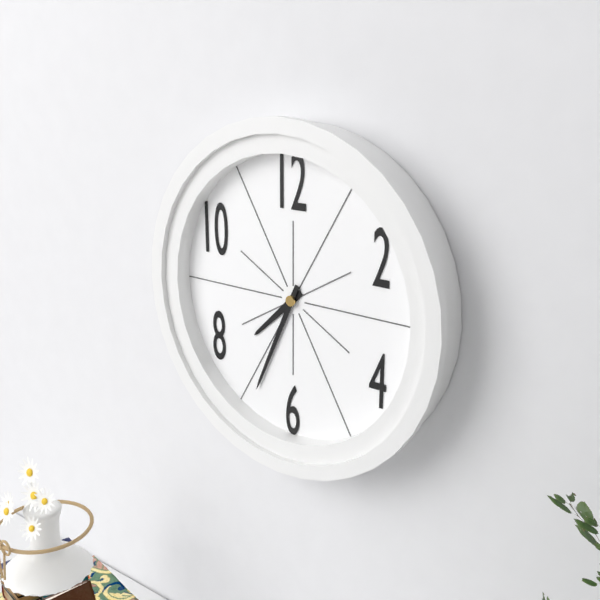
h=7 m=34
